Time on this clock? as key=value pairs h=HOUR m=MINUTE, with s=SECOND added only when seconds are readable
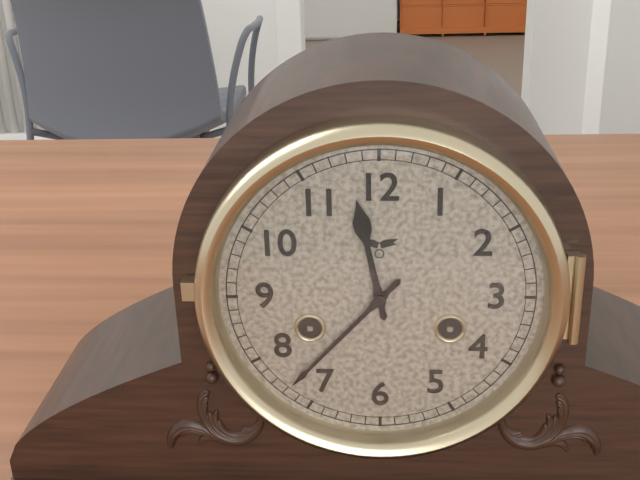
h=11 m=37
